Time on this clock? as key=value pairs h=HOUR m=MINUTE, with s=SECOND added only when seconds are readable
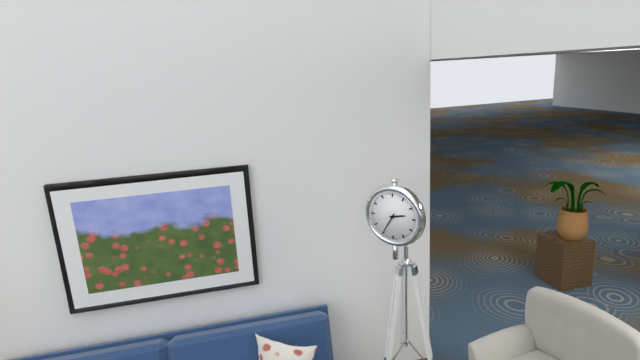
h=2 m=35
